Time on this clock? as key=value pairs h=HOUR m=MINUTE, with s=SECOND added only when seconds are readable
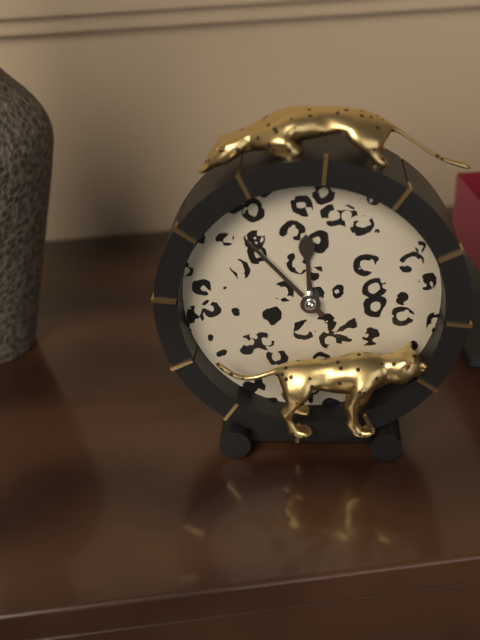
h=11 m=53
